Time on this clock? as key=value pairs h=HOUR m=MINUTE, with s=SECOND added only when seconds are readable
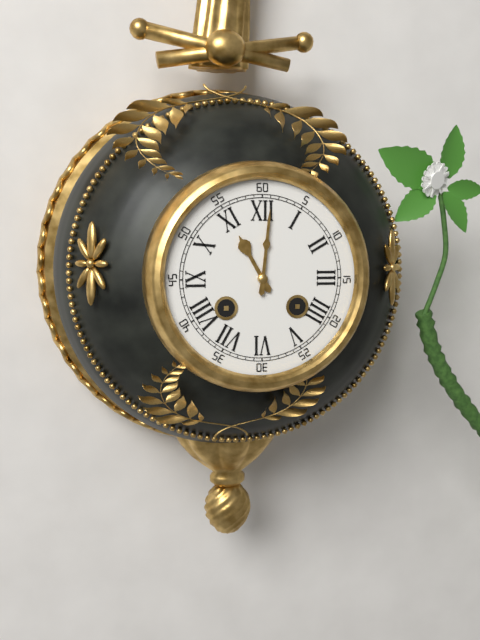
h=11 m=1
